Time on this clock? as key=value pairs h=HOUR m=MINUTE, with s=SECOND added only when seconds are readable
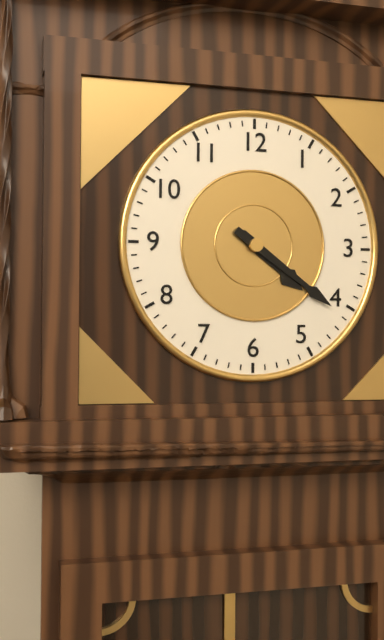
h=4 m=21
